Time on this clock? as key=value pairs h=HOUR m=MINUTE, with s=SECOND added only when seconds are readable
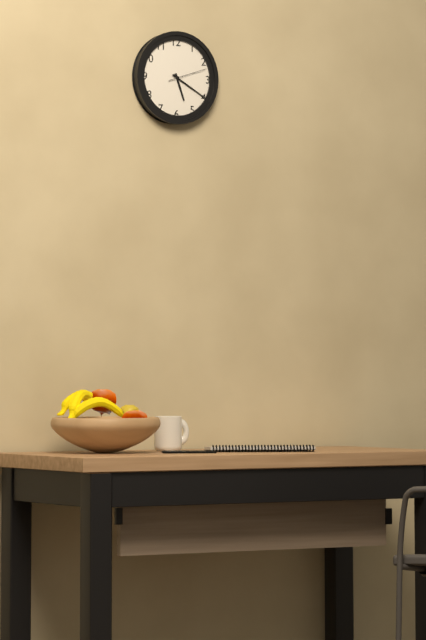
h=5 m=20
